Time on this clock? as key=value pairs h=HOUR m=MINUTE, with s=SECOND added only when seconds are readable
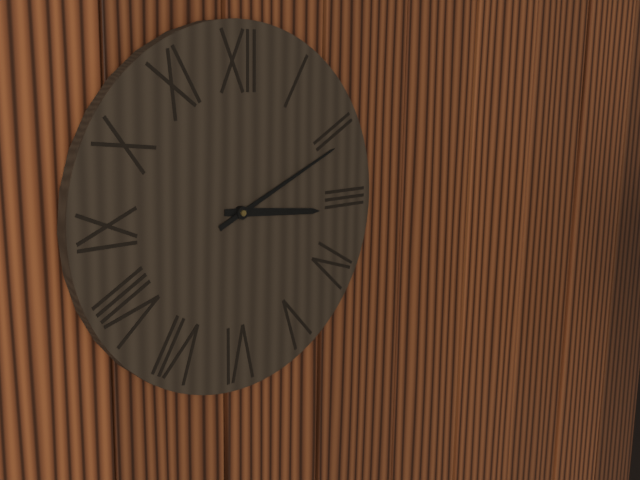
h=3 m=11
